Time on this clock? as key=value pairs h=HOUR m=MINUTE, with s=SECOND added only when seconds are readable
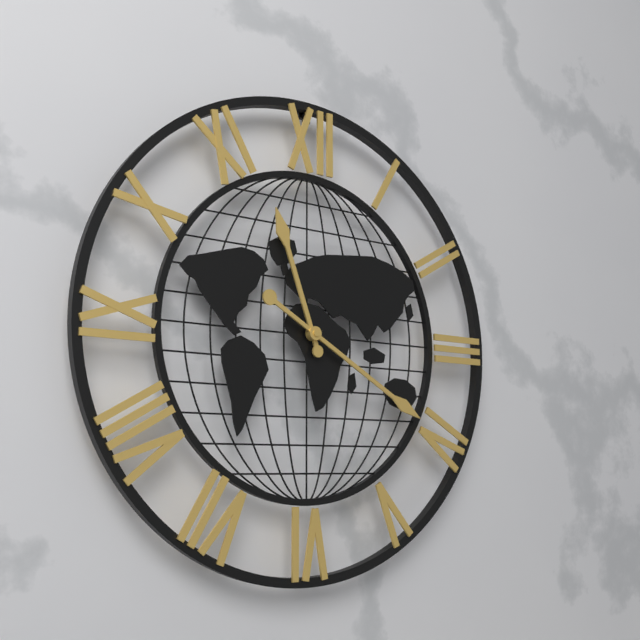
h=11 m=20
